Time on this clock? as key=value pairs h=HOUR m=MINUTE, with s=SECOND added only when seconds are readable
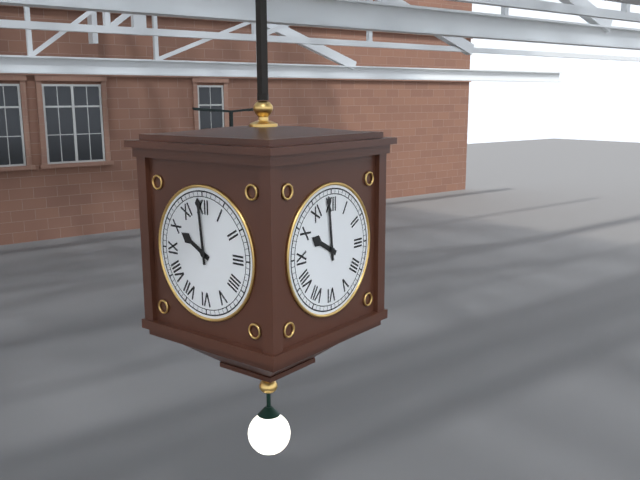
h=9 m=59
